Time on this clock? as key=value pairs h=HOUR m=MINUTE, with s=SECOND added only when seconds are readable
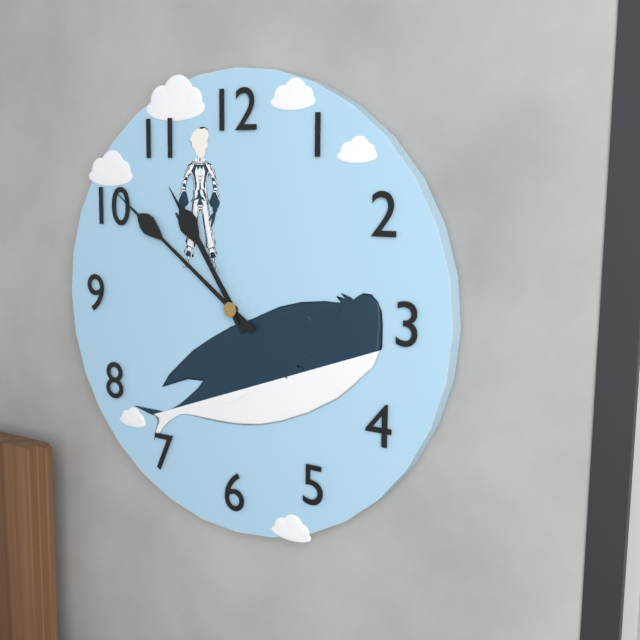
h=10 m=51 s=55
